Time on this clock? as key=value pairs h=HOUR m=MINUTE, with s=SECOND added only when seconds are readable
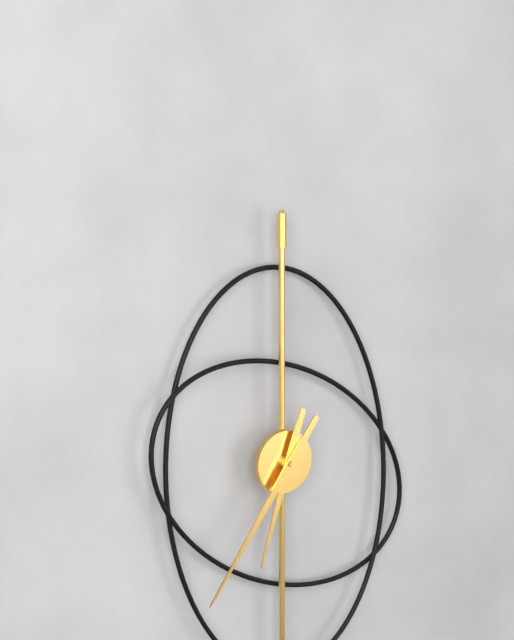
h=6 m=36
